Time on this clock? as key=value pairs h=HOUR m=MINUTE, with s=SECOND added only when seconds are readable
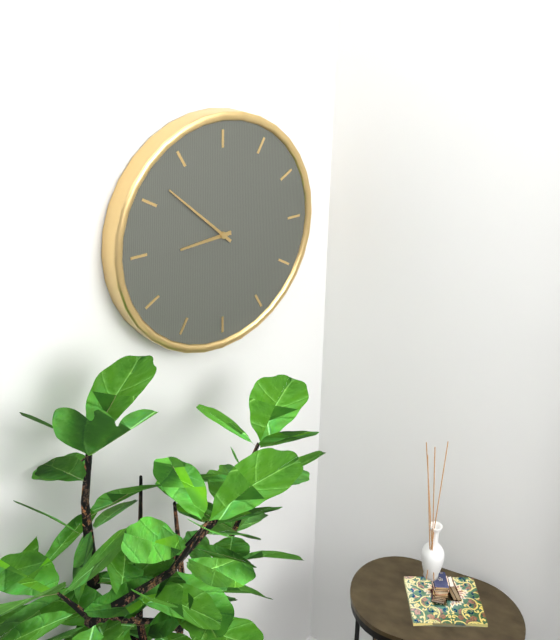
h=8 m=52
